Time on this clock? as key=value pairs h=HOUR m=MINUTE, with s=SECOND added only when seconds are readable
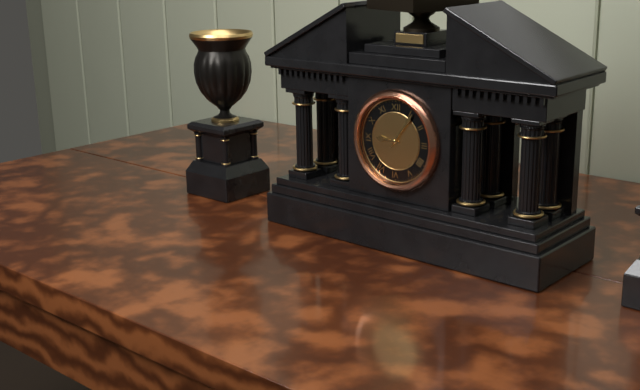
h=9 m=6
